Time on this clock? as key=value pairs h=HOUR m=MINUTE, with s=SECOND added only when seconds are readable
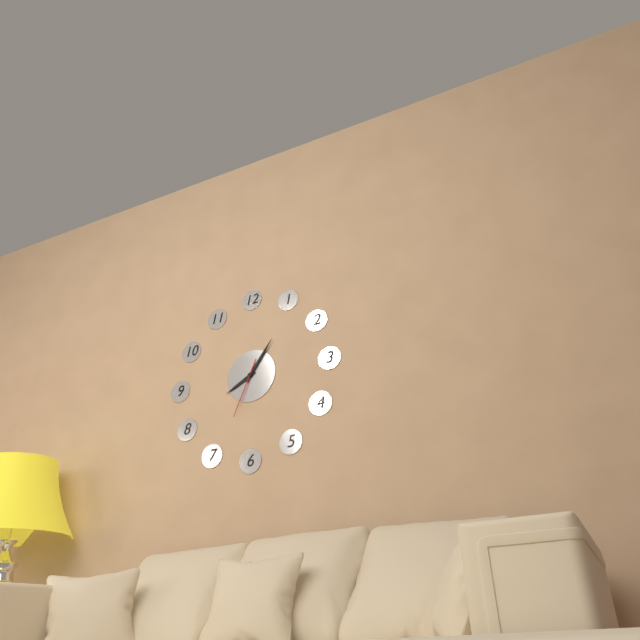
h=8 m=6 s=34
